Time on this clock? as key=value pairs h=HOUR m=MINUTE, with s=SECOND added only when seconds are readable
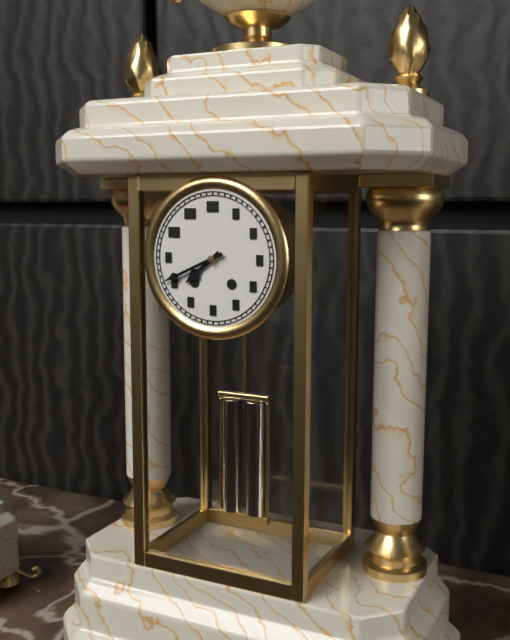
h=7 m=41
